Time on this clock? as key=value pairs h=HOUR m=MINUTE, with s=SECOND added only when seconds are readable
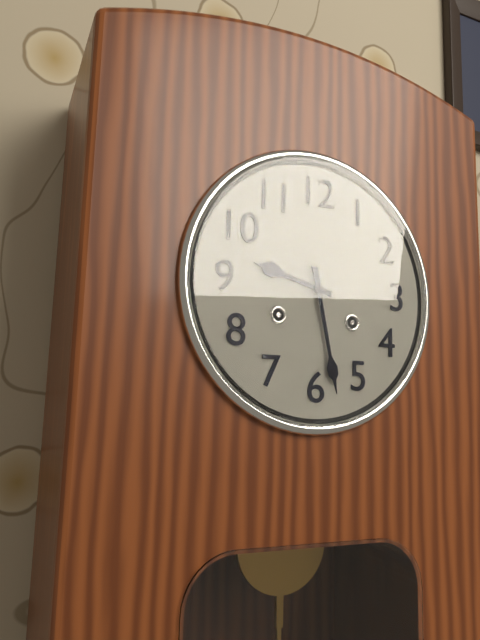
h=9 m=28
